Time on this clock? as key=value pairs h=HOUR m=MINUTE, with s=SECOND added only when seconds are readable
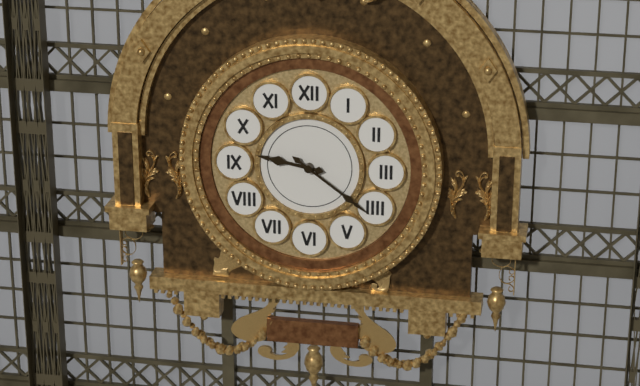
h=9 m=21
